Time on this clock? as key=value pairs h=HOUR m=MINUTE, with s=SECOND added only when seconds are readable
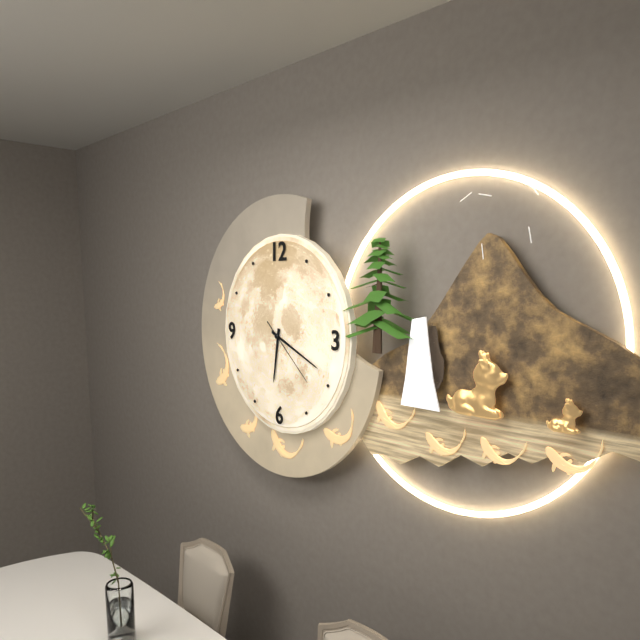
h=6 m=19 s=22
